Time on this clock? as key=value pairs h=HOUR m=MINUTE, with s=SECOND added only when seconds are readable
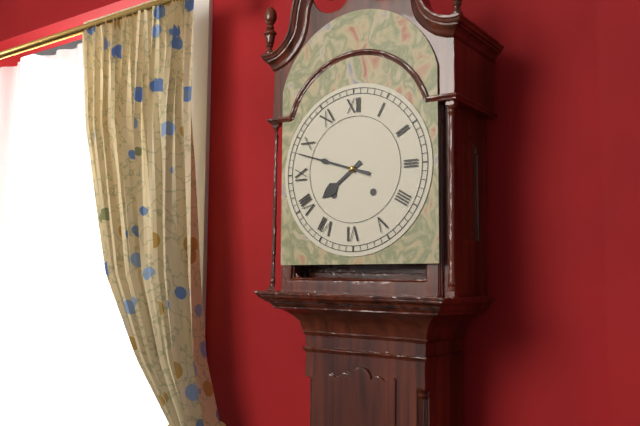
h=7 m=48
